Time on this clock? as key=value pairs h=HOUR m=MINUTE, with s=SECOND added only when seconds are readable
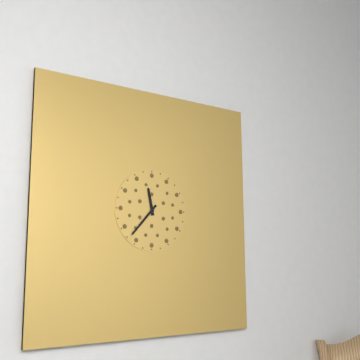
h=11 m=37
